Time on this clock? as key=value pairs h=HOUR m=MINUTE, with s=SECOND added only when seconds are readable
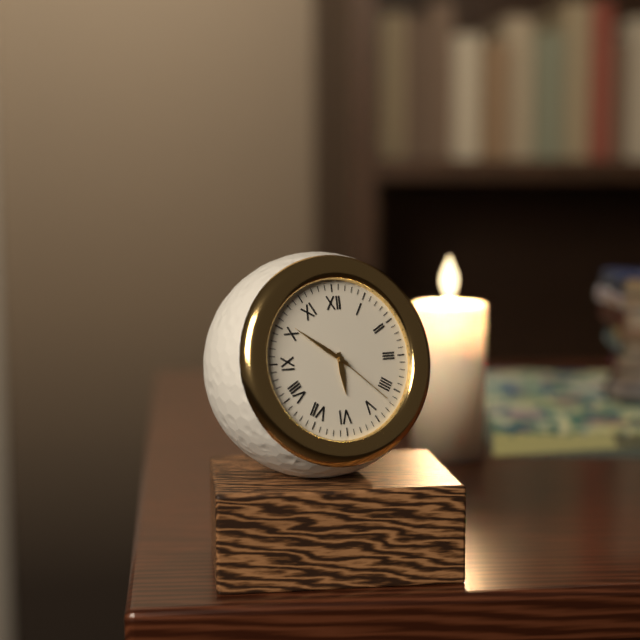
h=5 m=51 s=22
